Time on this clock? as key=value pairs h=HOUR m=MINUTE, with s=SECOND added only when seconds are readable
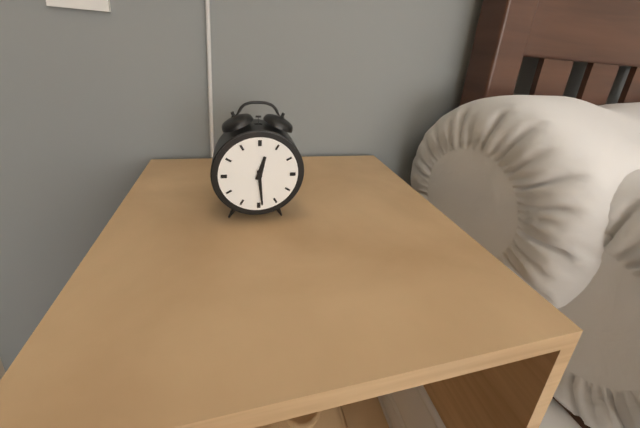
h=12 m=29
